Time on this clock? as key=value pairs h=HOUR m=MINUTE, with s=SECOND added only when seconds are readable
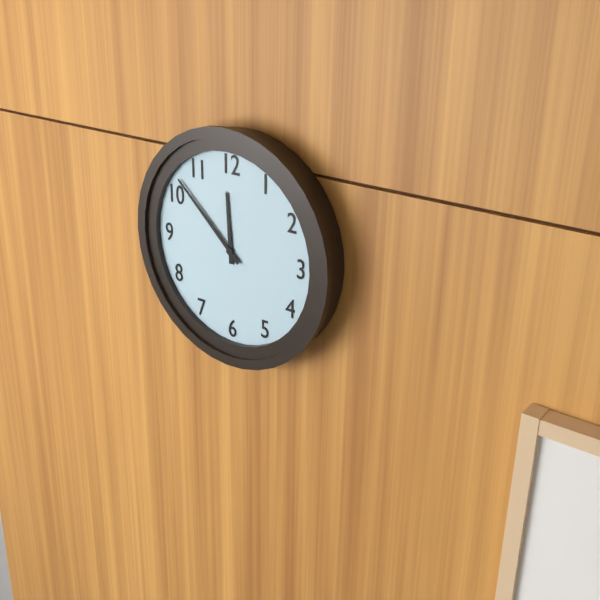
h=11 m=52
